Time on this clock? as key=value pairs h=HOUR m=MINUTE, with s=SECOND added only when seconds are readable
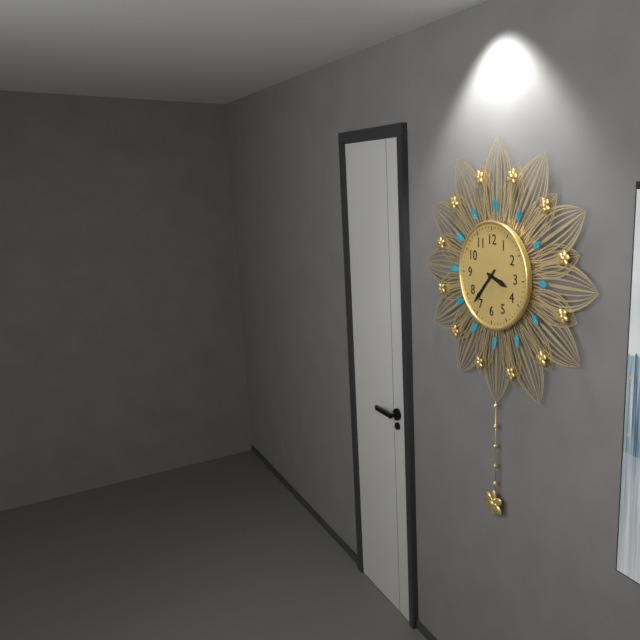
h=3 m=37
